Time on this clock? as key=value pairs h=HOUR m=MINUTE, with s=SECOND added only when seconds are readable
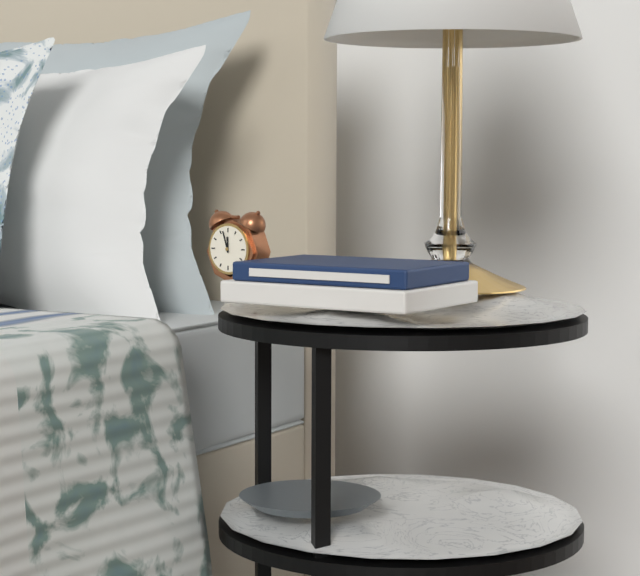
h=11 m=57
